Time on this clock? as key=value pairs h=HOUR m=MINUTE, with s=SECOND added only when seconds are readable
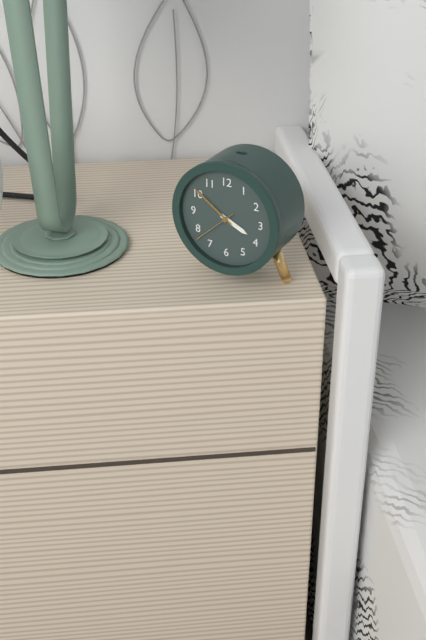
h=3 m=51
